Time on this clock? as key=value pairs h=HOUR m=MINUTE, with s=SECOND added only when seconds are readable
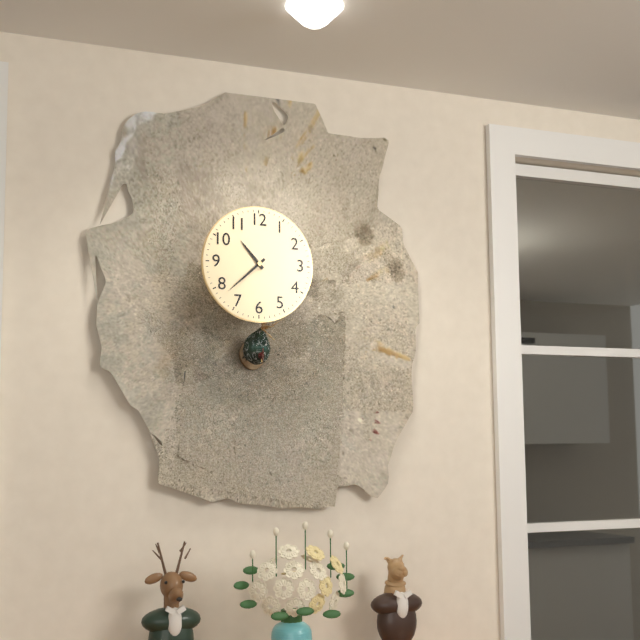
h=10 m=38
